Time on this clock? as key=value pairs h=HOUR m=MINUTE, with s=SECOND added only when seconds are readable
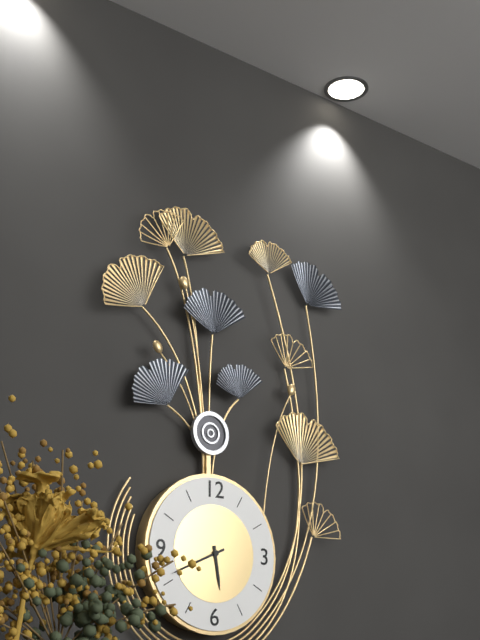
h=5 m=41
